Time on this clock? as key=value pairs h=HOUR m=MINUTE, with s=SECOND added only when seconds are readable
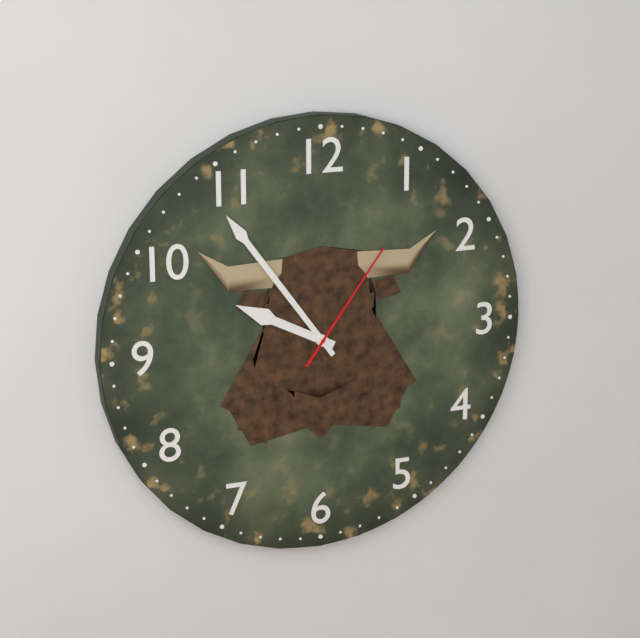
h=9 m=54 s=6
